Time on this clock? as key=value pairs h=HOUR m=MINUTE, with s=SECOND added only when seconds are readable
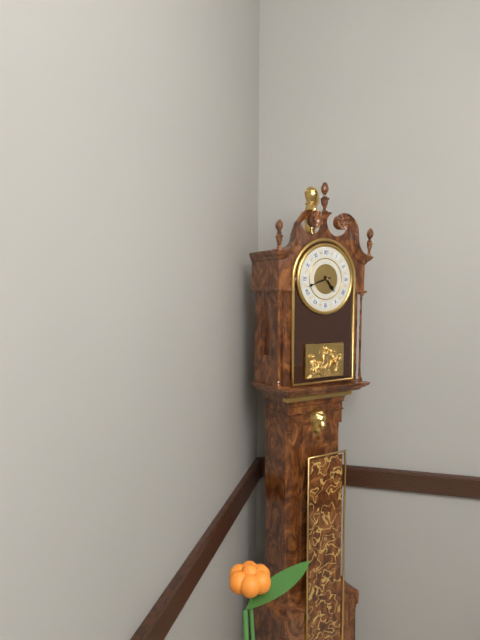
h=4 m=42
